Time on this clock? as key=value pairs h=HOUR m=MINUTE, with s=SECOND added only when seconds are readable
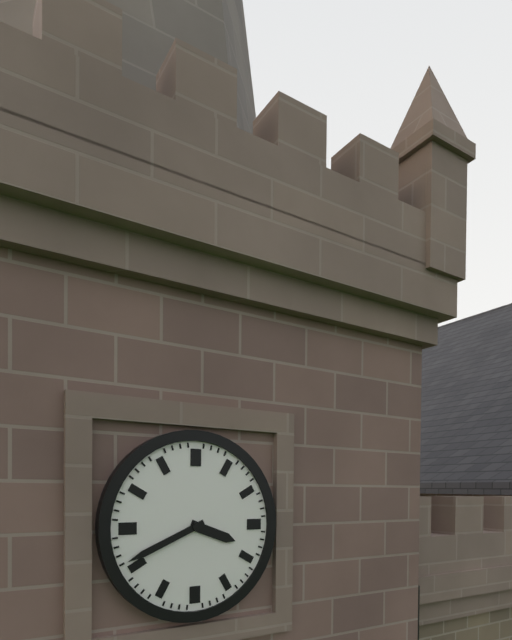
h=3 m=41
